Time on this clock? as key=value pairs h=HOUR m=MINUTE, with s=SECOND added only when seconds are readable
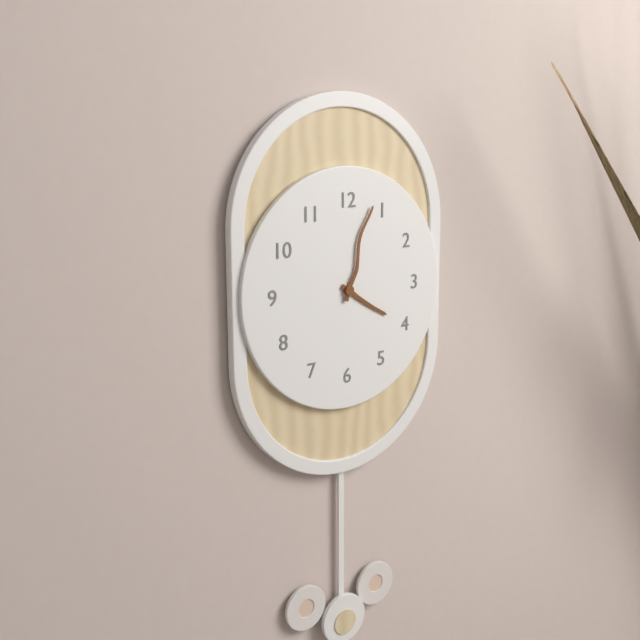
h=4 m=3
